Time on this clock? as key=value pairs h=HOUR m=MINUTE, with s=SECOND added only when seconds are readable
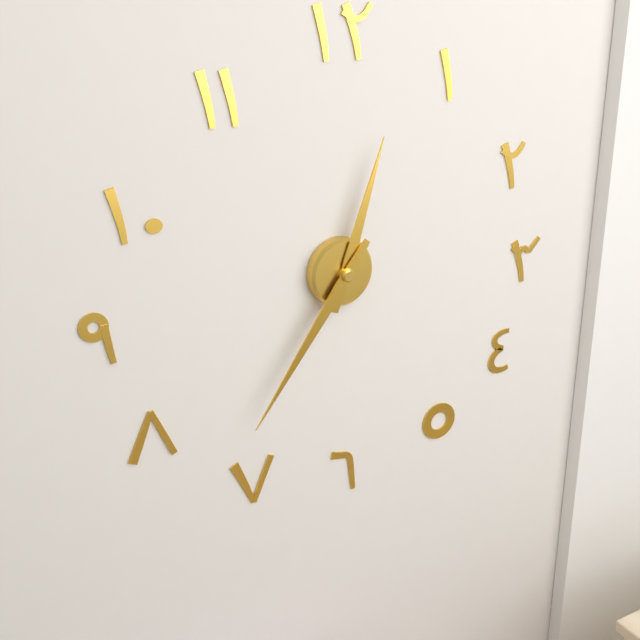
h=12 m=36
